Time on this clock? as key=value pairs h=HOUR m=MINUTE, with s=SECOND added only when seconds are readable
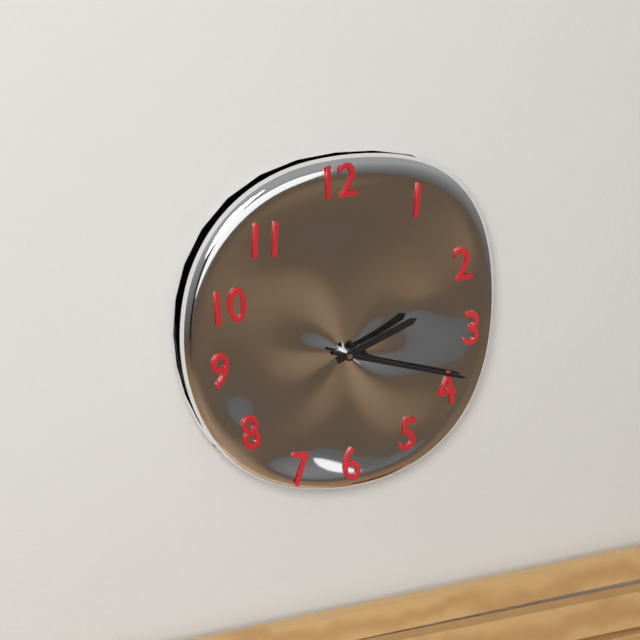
h=2 m=18
